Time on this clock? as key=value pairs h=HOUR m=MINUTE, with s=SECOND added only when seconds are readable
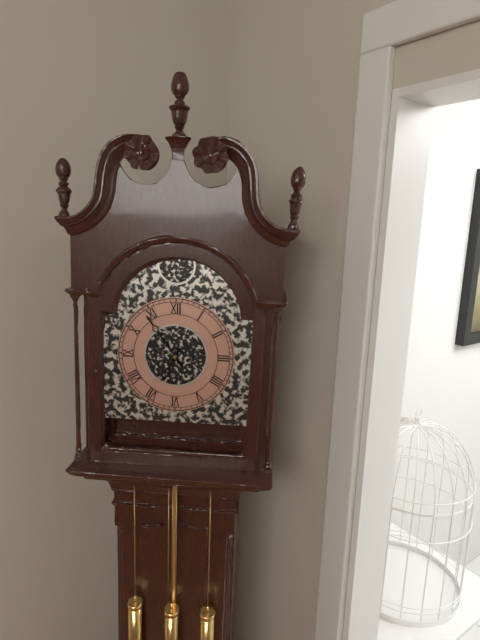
h=6 m=54
